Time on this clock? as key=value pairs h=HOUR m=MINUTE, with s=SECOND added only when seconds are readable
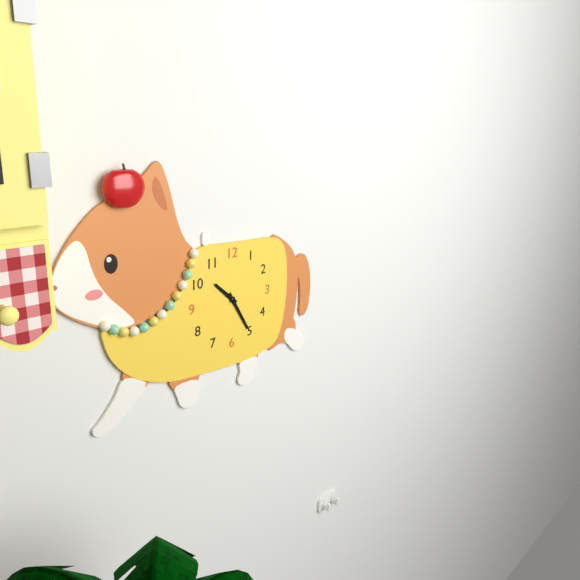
h=10 m=25
